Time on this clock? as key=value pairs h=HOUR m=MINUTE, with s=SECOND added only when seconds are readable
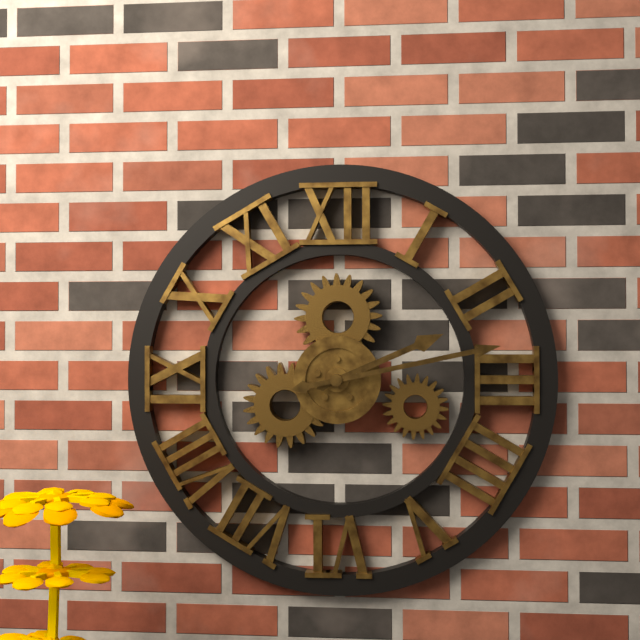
h=2 m=13
